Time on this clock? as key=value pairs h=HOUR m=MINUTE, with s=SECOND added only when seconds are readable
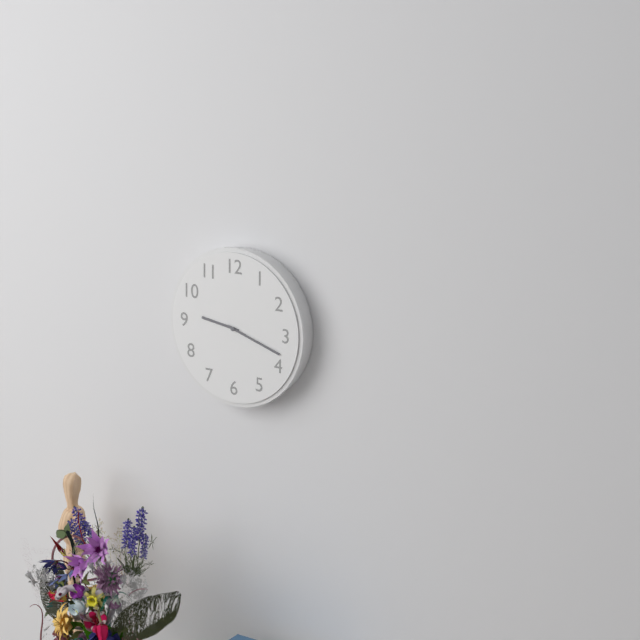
h=9 m=18
